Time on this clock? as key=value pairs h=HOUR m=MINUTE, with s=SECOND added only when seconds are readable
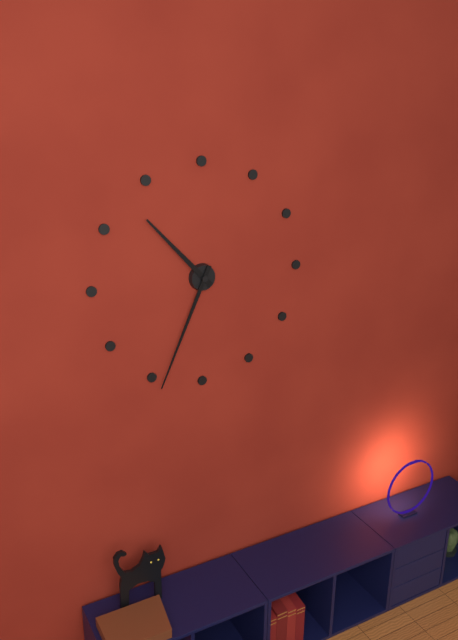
h=10 m=34
